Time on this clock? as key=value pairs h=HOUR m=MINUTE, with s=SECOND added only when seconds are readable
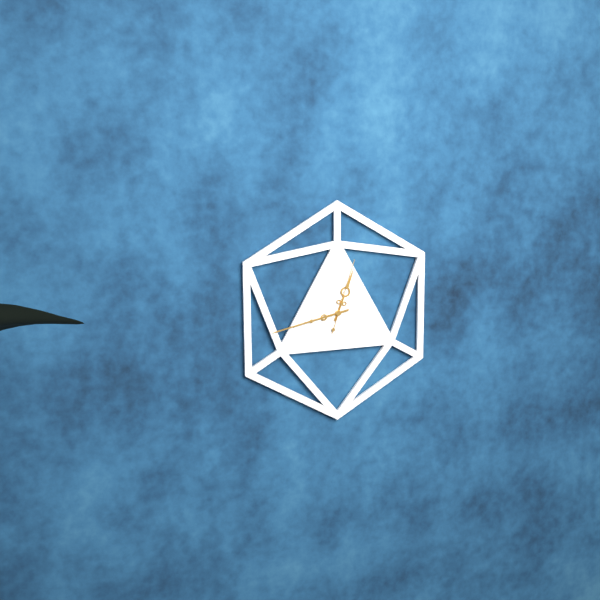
h=12 m=43 s=3
